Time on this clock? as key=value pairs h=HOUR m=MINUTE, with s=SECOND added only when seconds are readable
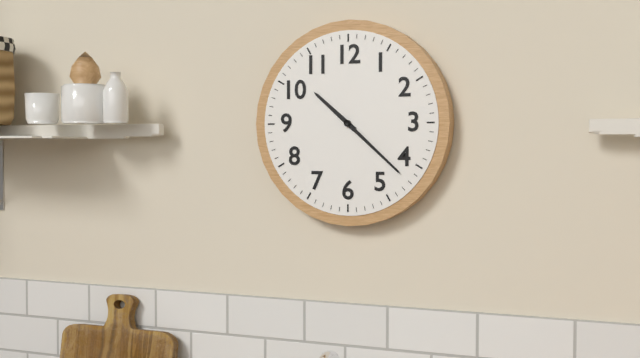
h=10 m=22
